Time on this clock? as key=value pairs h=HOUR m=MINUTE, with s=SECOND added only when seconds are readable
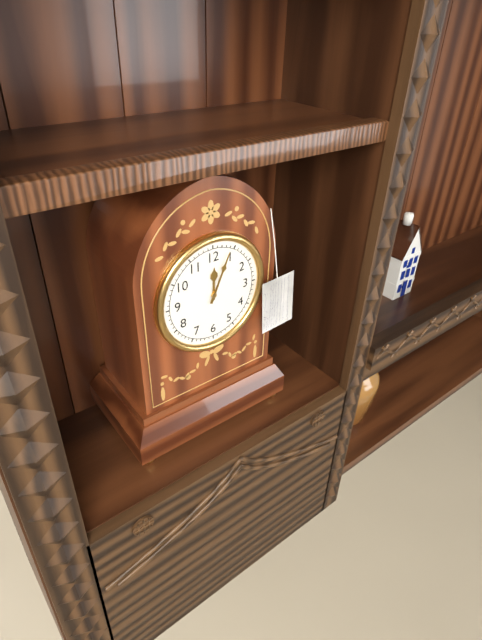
h=12 m=4
